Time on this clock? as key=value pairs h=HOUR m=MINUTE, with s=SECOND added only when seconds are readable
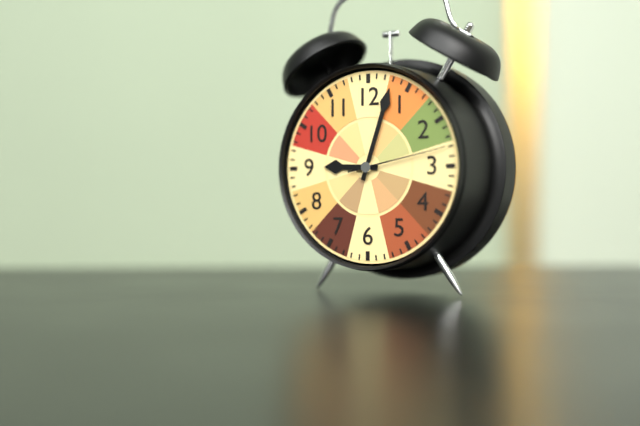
h=9 m=3 s=13
